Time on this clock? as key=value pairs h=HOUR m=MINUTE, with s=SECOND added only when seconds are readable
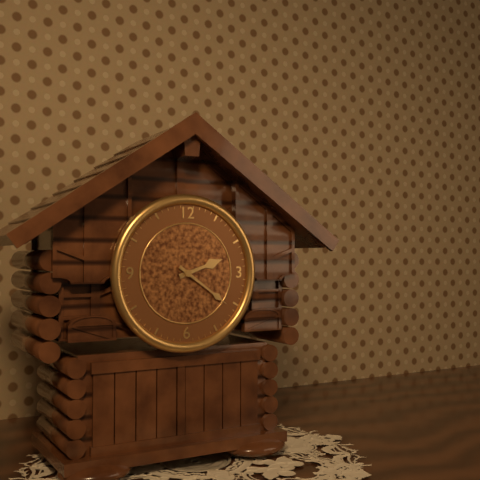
h=2 m=21
